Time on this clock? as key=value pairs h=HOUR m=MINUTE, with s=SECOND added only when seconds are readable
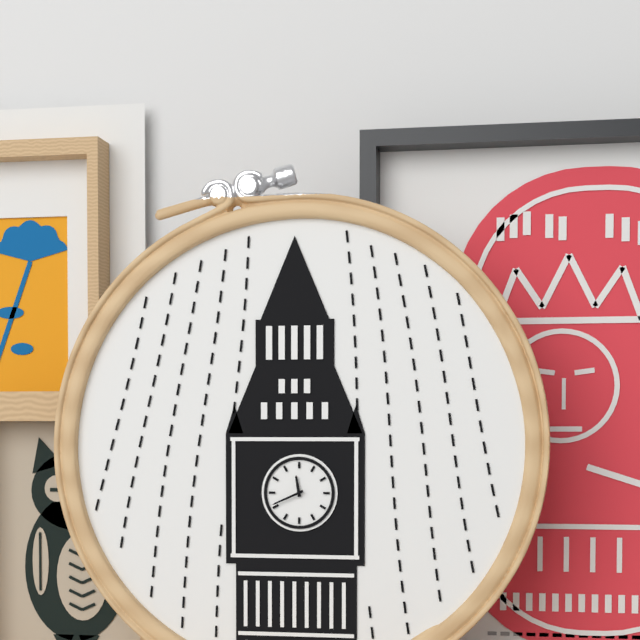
h=11 m=41
